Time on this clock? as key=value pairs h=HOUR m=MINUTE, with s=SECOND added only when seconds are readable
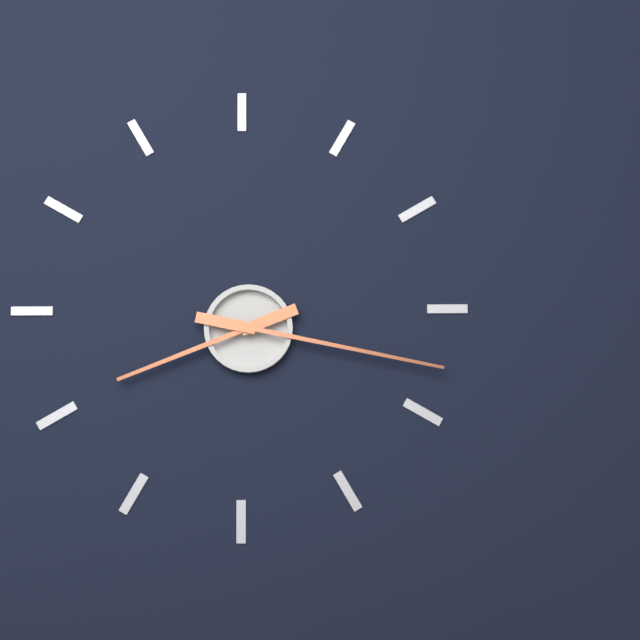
h=8 m=17
